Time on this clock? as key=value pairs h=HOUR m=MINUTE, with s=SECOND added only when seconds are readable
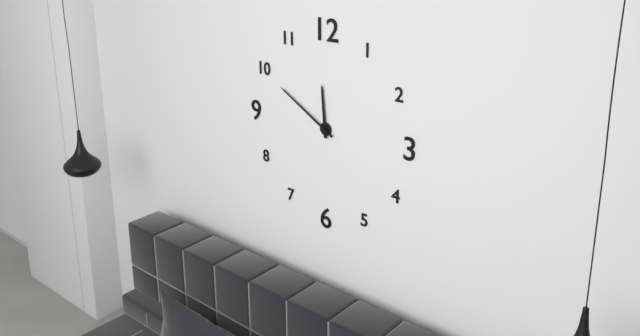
h=11 m=50
